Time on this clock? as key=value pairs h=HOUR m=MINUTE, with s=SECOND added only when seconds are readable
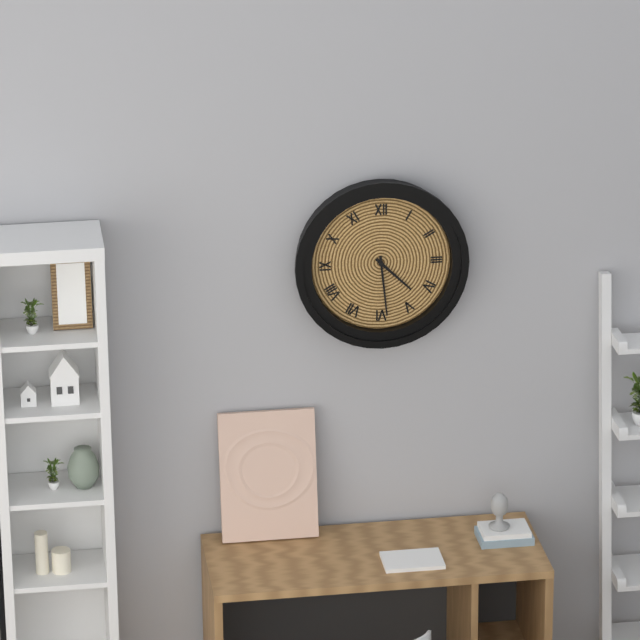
h=4 m=29
